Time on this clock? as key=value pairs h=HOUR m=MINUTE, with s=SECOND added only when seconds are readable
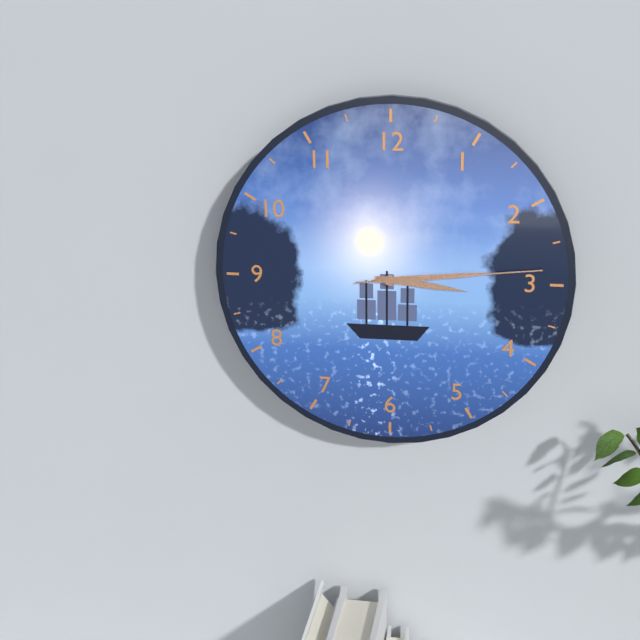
h=3 m=14 s=14
